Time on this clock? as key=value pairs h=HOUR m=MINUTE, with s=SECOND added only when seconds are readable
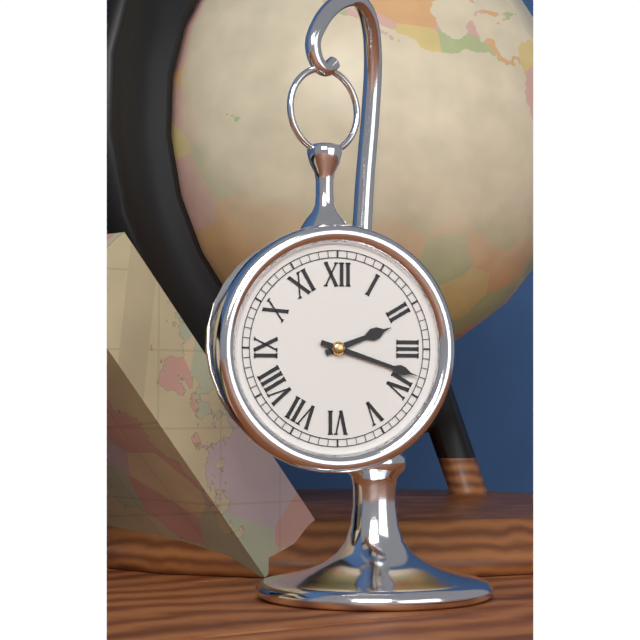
h=2 m=18
